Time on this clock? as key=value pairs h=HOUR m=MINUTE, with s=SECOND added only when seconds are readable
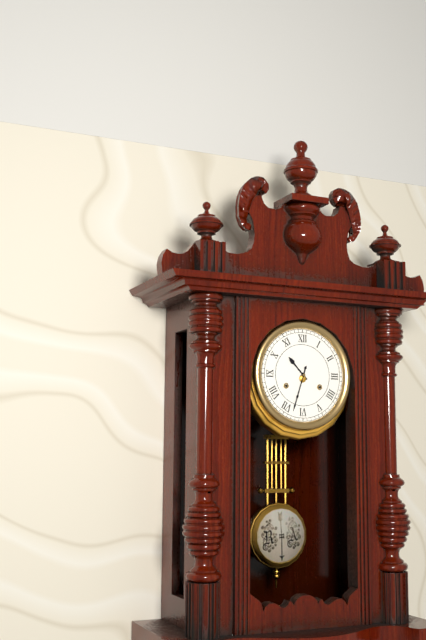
h=10 m=33
